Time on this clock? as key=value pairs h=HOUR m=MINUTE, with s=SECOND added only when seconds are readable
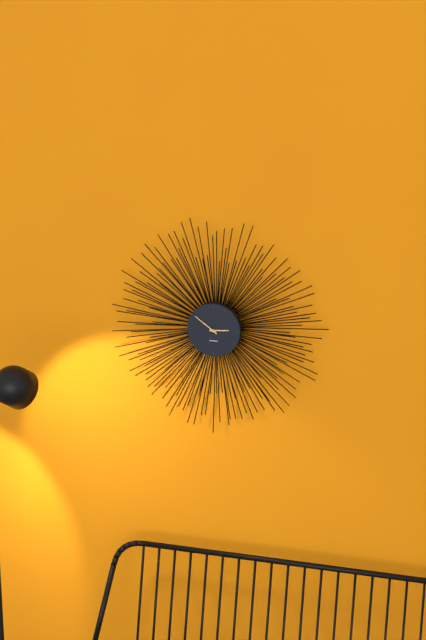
h=2 m=51
